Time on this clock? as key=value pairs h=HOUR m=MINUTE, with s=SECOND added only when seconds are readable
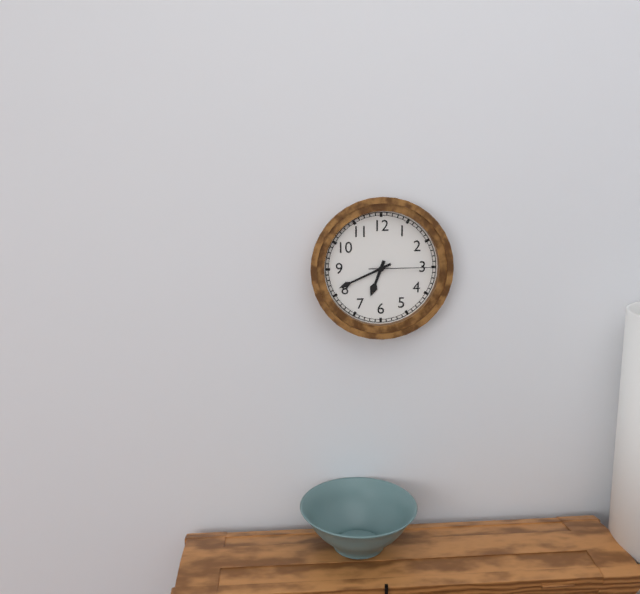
h=6 m=41 s=15
